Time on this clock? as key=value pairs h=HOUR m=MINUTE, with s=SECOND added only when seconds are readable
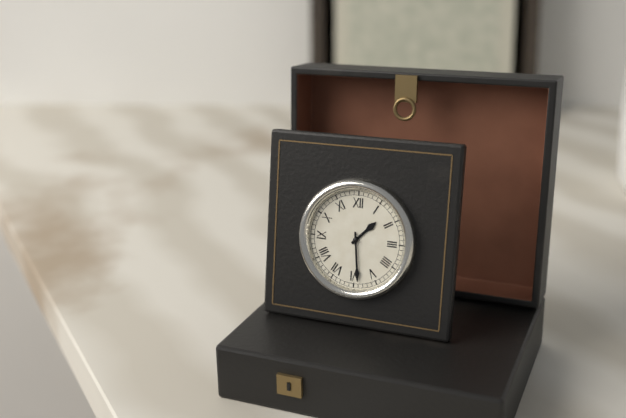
h=1 m=29
